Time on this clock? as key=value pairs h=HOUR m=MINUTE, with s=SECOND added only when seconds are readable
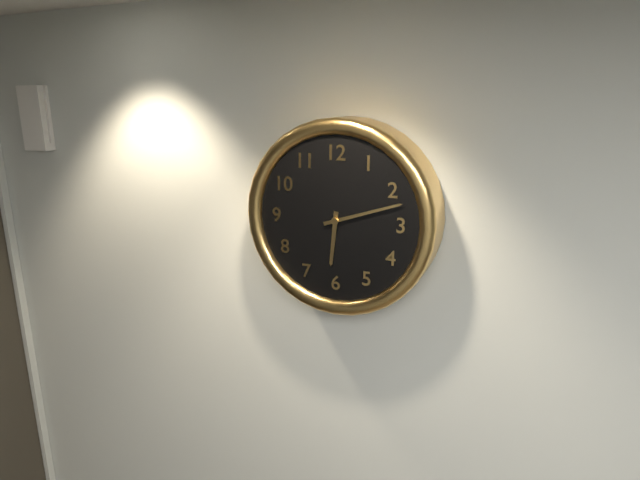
h=6 m=12
